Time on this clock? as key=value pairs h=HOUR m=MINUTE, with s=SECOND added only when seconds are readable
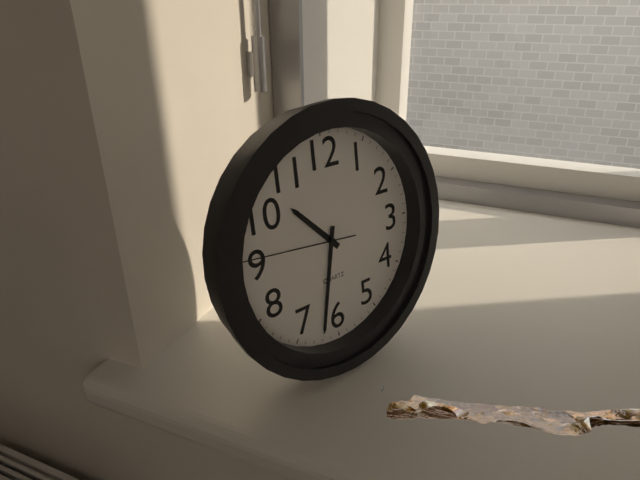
h=10 m=32 s=46
